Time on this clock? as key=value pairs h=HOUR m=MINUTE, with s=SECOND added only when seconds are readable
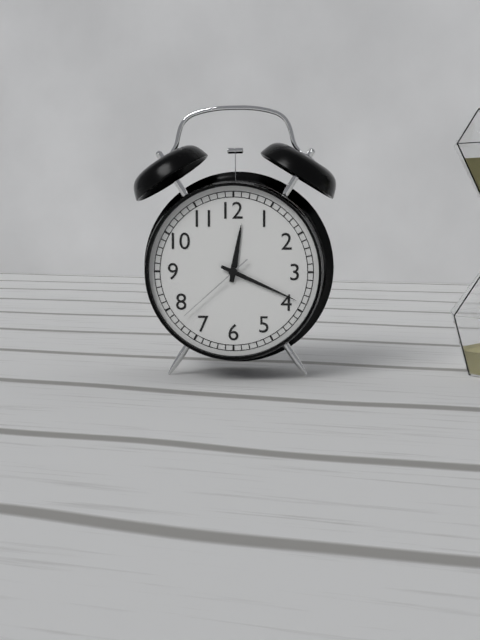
h=12 m=19 s=38
